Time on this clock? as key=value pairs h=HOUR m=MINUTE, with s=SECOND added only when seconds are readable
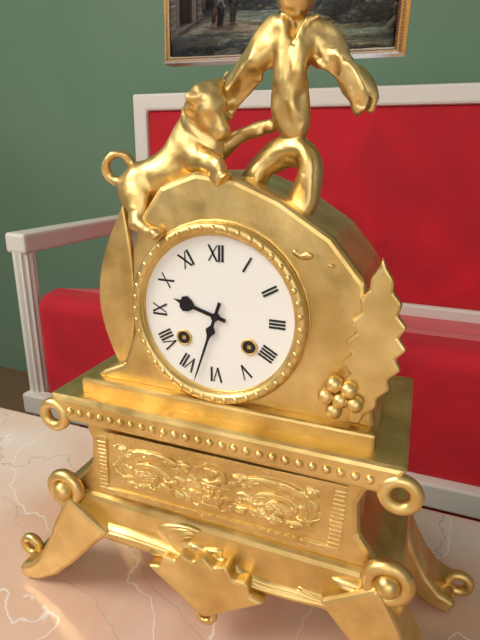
h=9 m=33
